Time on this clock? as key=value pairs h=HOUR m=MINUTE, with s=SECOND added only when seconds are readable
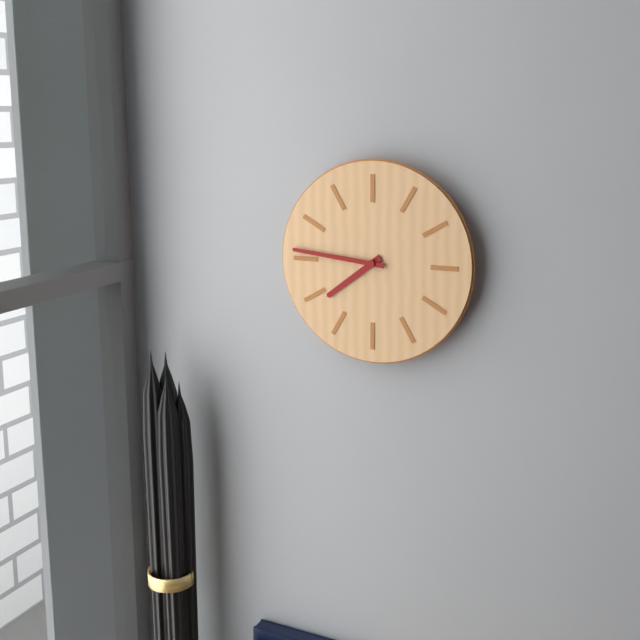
h=7 m=46
